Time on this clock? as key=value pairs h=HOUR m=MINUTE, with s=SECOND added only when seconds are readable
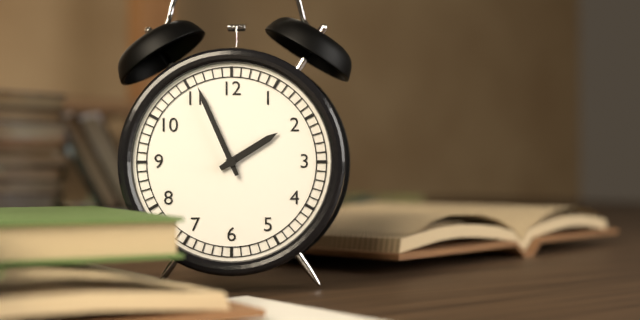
h=1 m=56
